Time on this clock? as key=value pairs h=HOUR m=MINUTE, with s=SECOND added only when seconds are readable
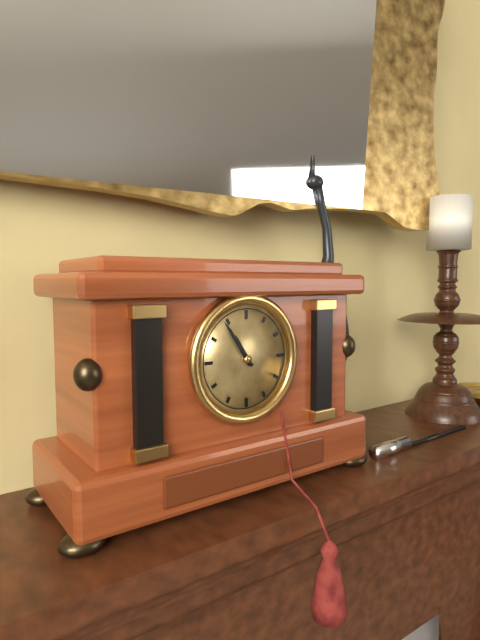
h=10 m=54
